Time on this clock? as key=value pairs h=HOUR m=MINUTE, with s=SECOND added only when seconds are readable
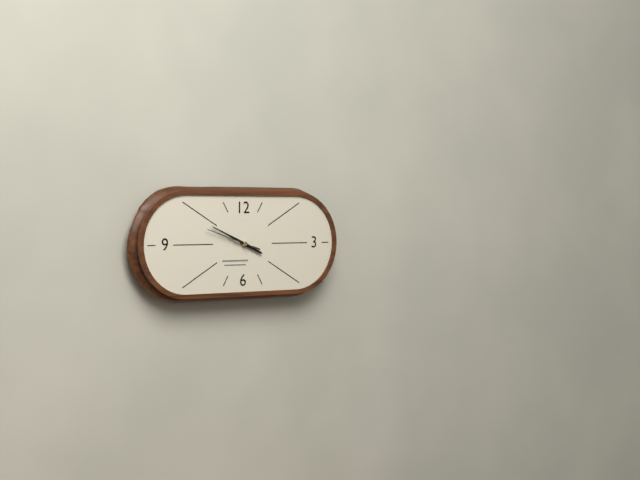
h=3 m=49 s=48
